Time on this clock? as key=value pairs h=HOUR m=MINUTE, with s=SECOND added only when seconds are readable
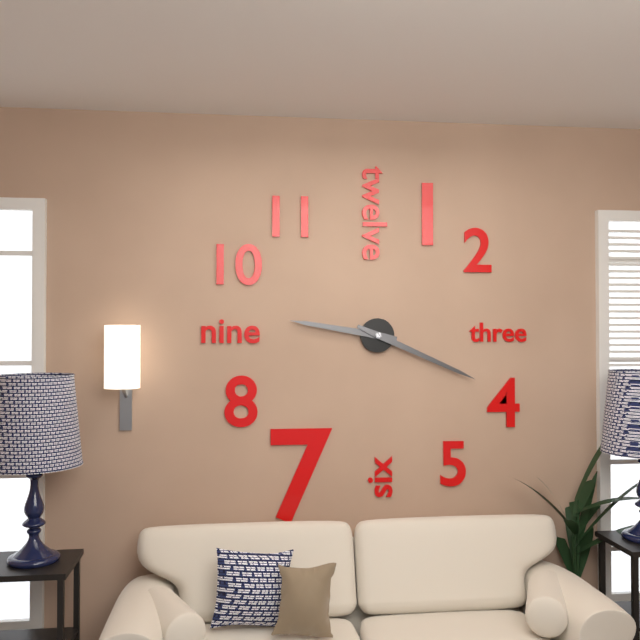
h=9 m=19
